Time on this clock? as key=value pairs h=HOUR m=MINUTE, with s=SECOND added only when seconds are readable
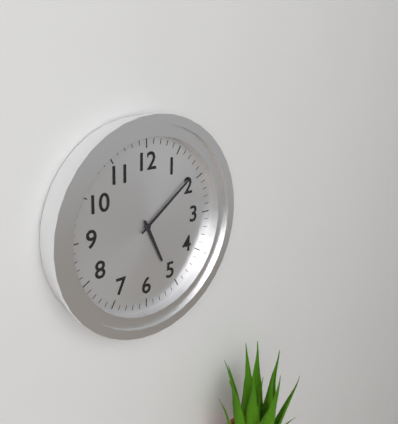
h=5 m=9
